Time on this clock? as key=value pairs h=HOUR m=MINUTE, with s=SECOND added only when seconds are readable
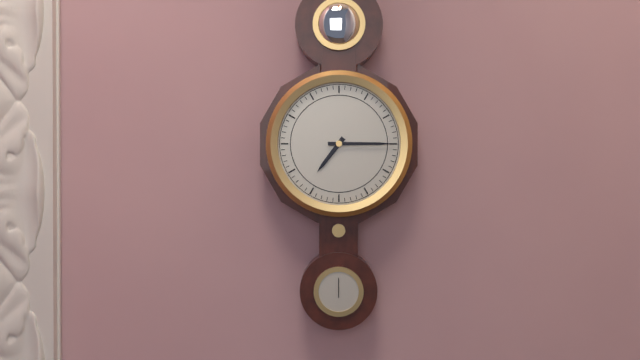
h=7 m=15
